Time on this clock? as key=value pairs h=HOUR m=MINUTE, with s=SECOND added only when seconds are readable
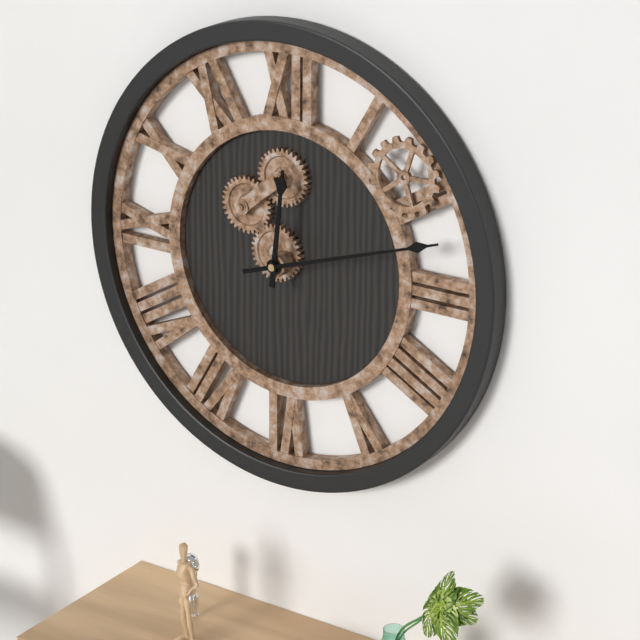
h=12 m=12
